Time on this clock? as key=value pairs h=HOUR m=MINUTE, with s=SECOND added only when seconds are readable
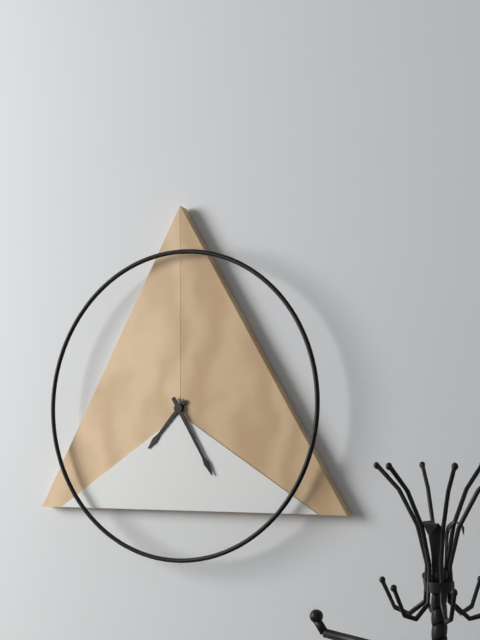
h=7 m=25
